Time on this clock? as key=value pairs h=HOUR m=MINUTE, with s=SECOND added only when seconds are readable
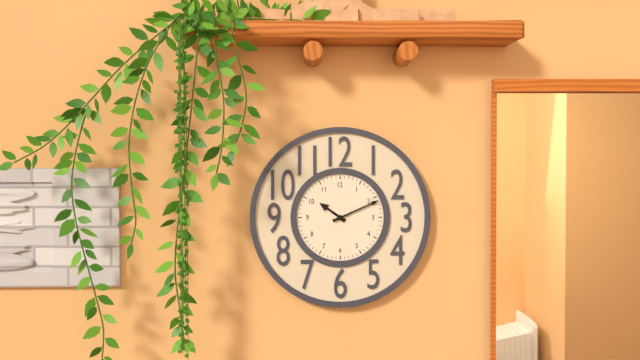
h=10 m=11
